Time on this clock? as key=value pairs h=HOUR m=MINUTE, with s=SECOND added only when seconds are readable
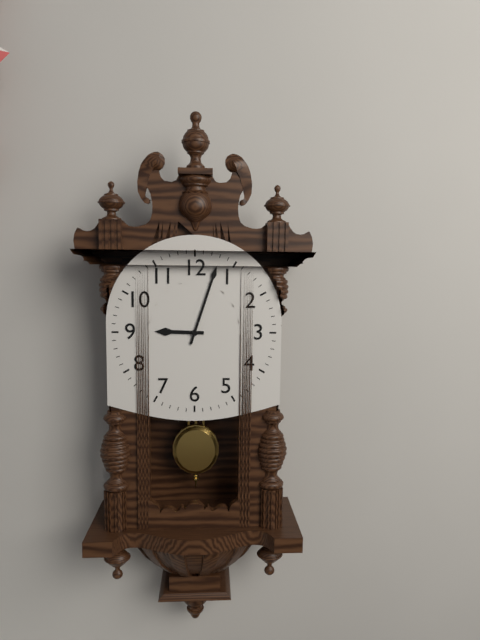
h=9 m=3
